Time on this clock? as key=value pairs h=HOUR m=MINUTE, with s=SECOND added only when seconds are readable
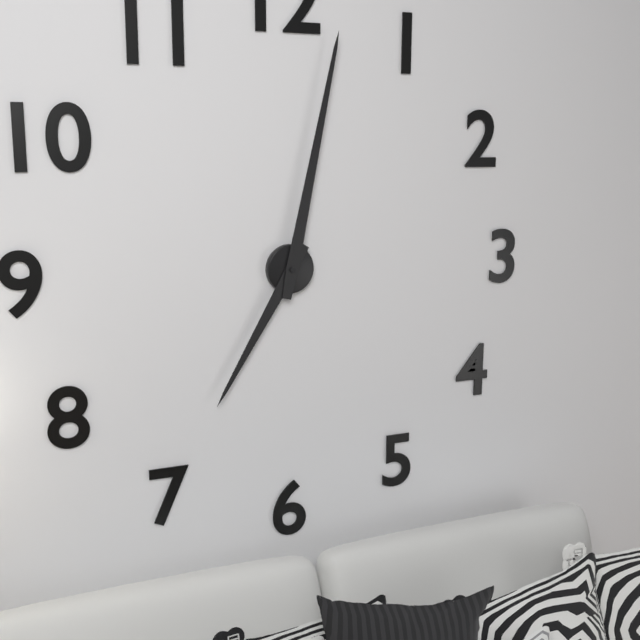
h=7 m=2
